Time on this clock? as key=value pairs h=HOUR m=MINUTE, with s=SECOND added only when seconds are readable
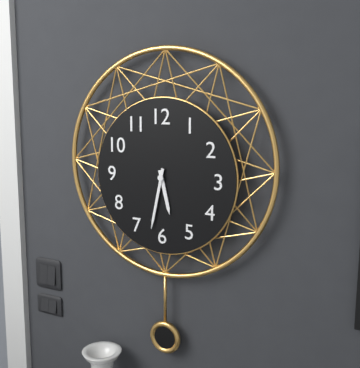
h=5 m=32
